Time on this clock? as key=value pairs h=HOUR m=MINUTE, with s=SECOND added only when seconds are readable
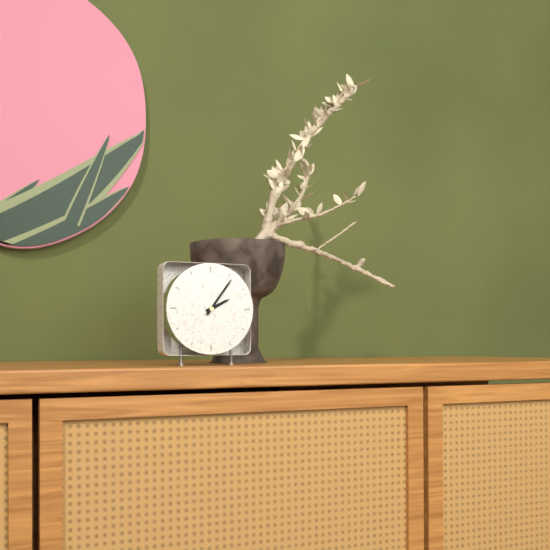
h=2 m=6
